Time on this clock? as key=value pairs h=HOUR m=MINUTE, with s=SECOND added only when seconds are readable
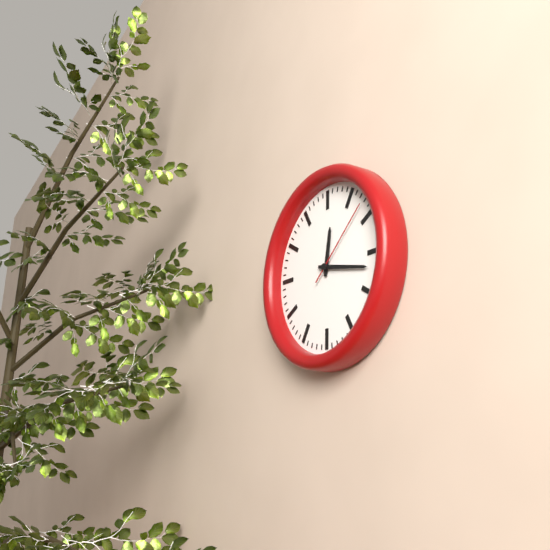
h=12 m=17 s=8
